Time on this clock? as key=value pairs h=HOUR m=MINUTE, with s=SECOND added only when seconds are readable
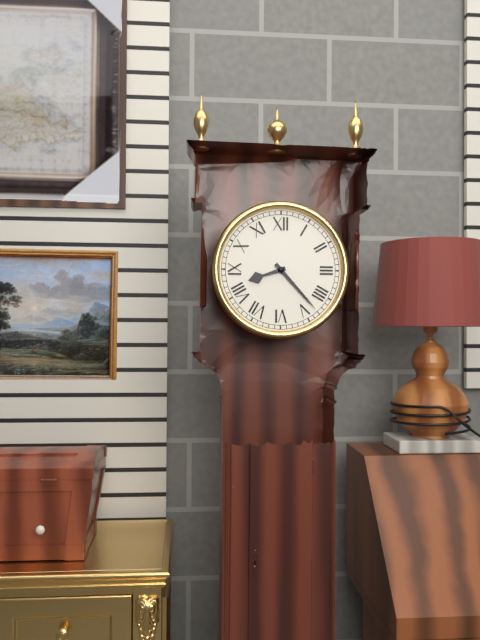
h=8 m=23
